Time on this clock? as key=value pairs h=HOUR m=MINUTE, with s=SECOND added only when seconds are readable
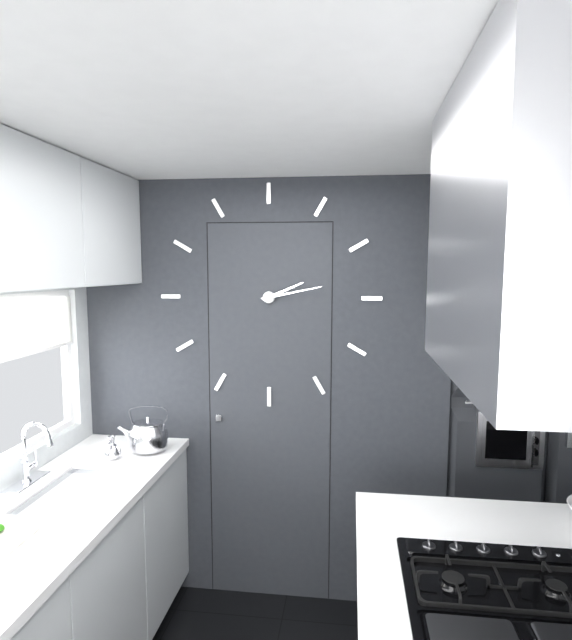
h=2 m=13
